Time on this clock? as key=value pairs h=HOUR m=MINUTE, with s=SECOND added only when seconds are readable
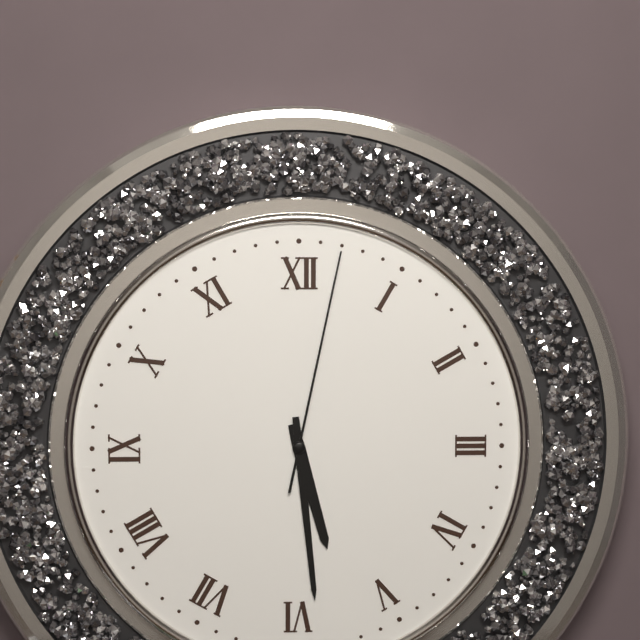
h=5 m=29 s=2
